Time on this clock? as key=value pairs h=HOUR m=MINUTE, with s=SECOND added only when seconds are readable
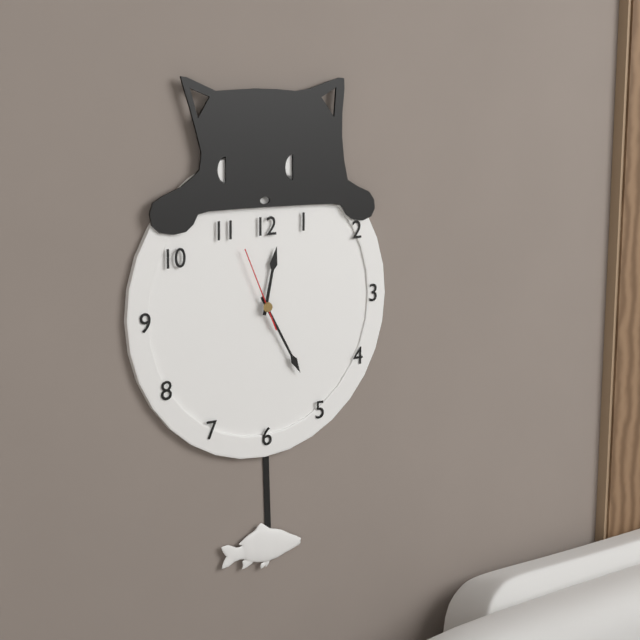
h=12 m=25 s=56
